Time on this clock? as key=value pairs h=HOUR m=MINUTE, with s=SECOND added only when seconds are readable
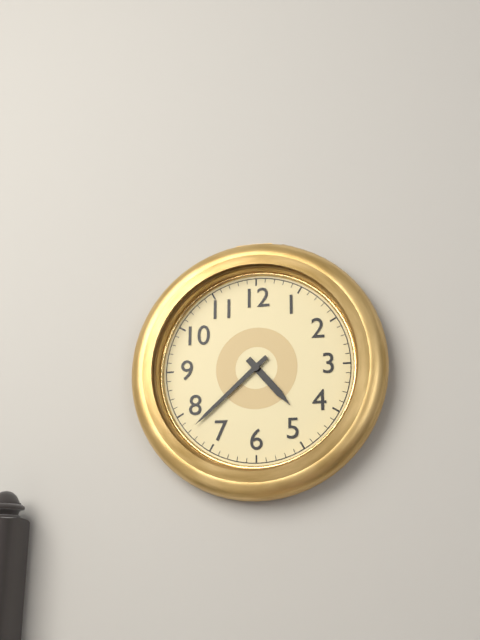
h=4 m=38
